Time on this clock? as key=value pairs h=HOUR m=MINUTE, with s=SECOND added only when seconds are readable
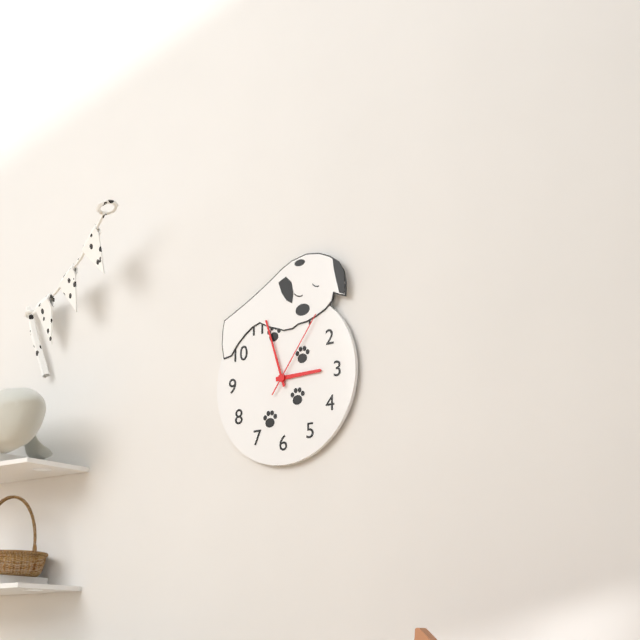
h=2 m=57 s=6
